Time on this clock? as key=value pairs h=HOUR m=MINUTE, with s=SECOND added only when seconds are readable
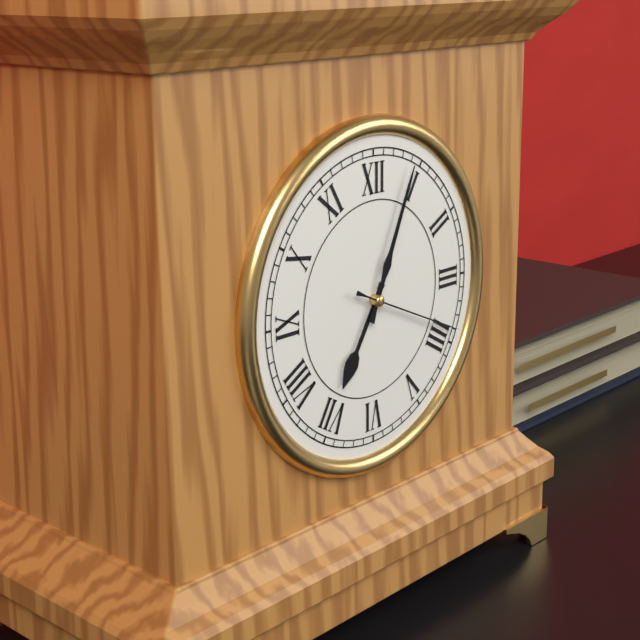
h=7 m=4 s=19
